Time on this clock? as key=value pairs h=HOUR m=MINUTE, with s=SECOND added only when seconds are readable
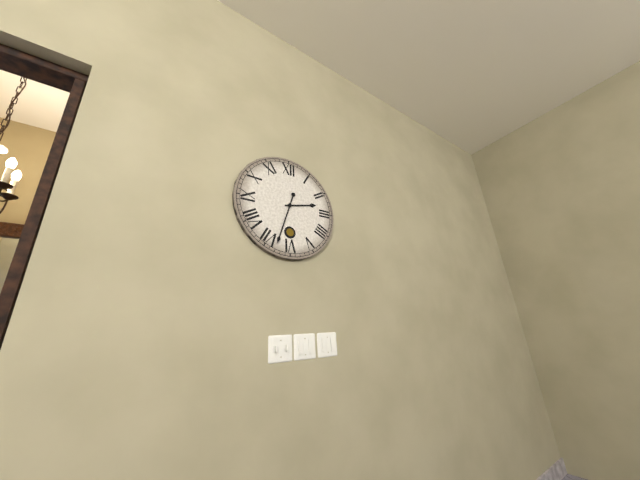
h=2 m=33
